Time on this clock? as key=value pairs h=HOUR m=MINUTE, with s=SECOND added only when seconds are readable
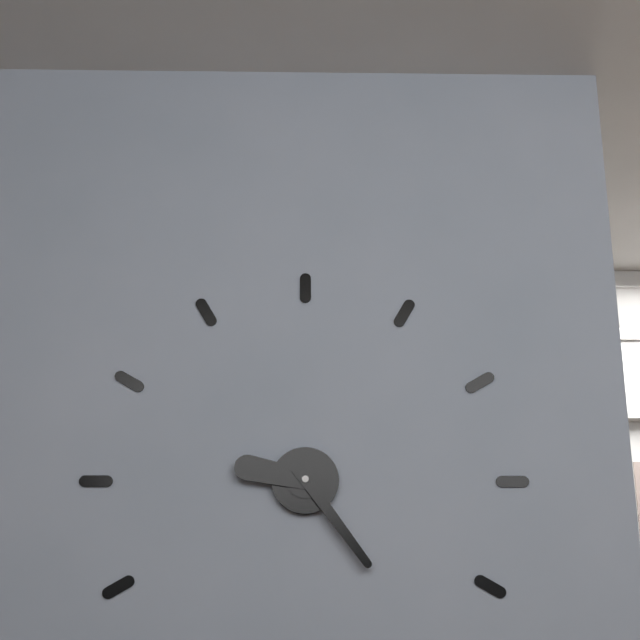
h=9 m=24
